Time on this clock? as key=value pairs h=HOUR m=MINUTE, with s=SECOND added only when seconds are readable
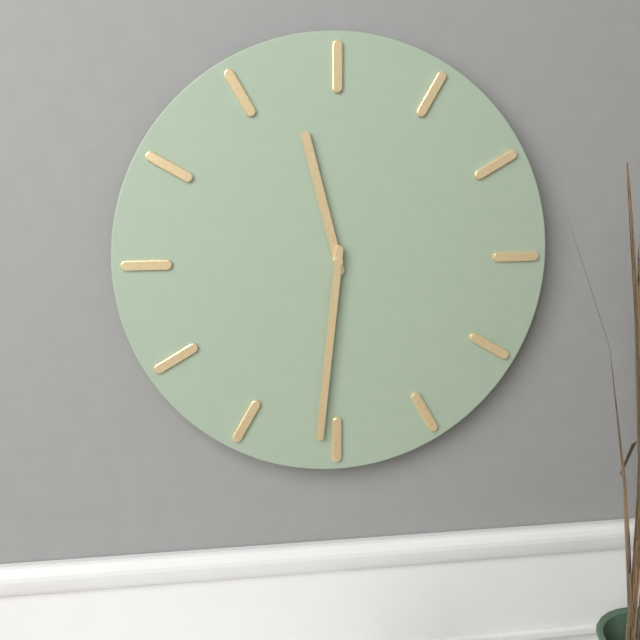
h=11 m=31
